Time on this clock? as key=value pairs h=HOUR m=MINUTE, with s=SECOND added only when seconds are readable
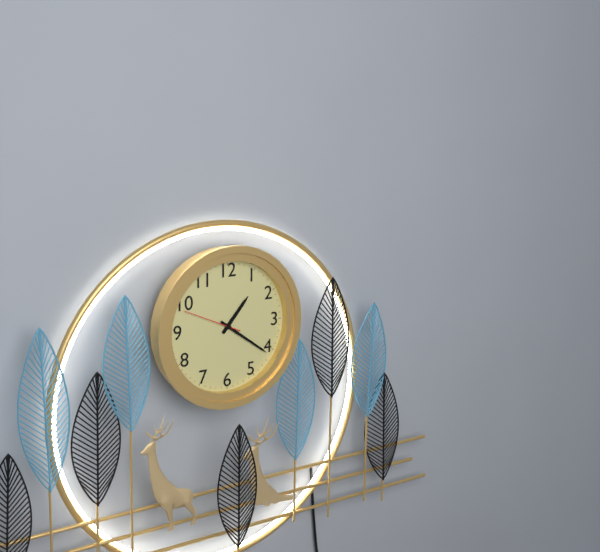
h=1 m=21 s=49
